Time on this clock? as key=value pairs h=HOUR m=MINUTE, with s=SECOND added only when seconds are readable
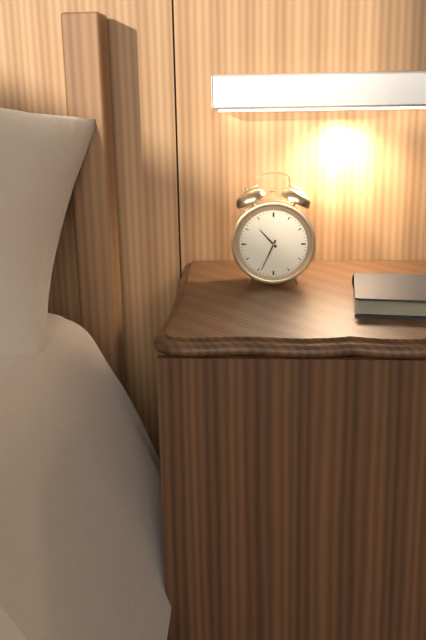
h=10 m=34
